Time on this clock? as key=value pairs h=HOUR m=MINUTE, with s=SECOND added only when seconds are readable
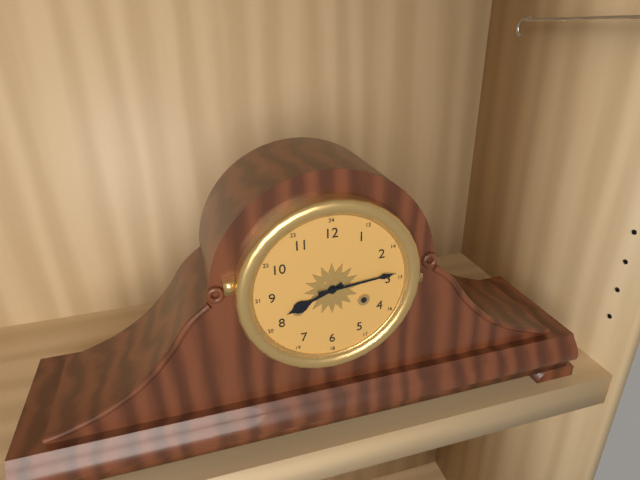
h=8 m=14
